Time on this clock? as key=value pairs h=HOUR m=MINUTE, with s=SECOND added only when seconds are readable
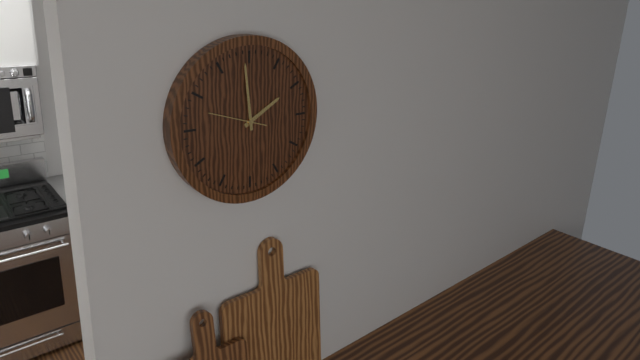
h=1 m=59 s=48
